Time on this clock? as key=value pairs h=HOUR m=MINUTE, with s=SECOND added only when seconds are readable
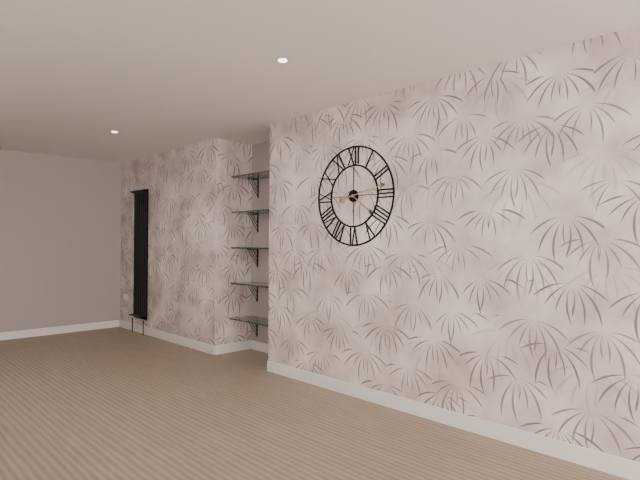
h=4 m=13
